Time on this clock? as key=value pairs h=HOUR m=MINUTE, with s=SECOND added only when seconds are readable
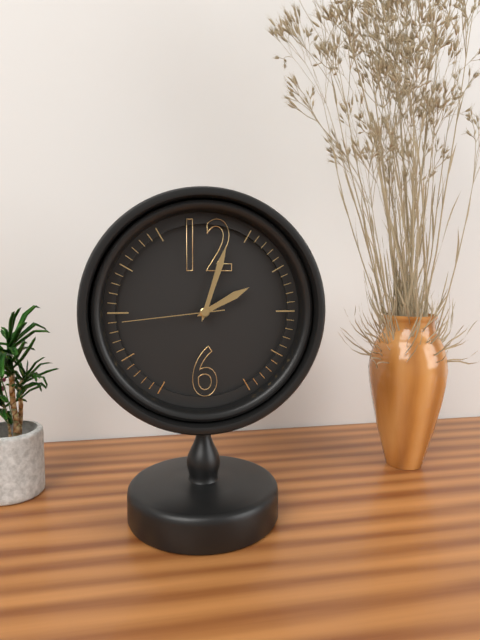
h=2 m=3 s=44
